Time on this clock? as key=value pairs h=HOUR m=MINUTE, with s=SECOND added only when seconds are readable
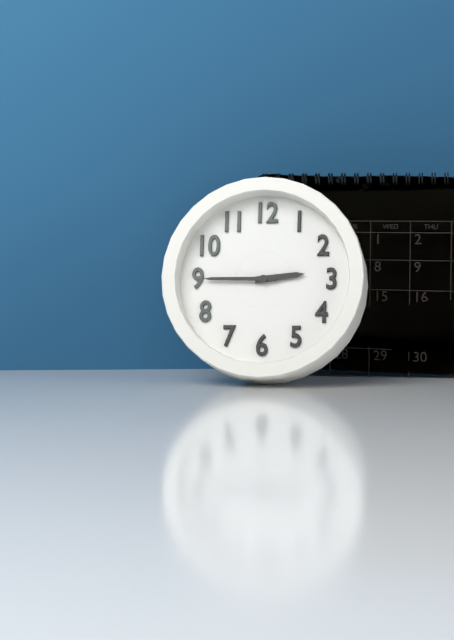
h=2 m=45
